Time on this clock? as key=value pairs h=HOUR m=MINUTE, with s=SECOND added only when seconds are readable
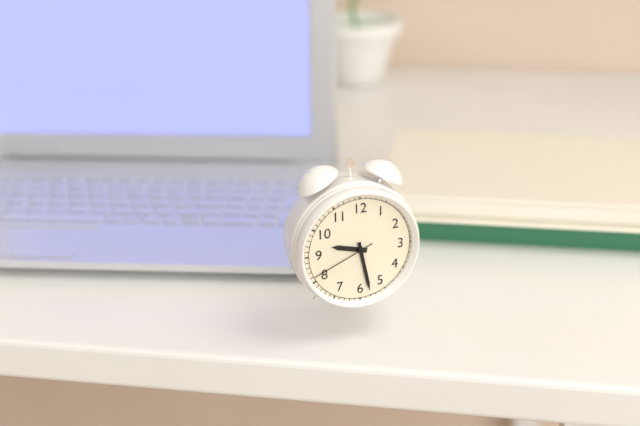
h=9 m=28 s=41
